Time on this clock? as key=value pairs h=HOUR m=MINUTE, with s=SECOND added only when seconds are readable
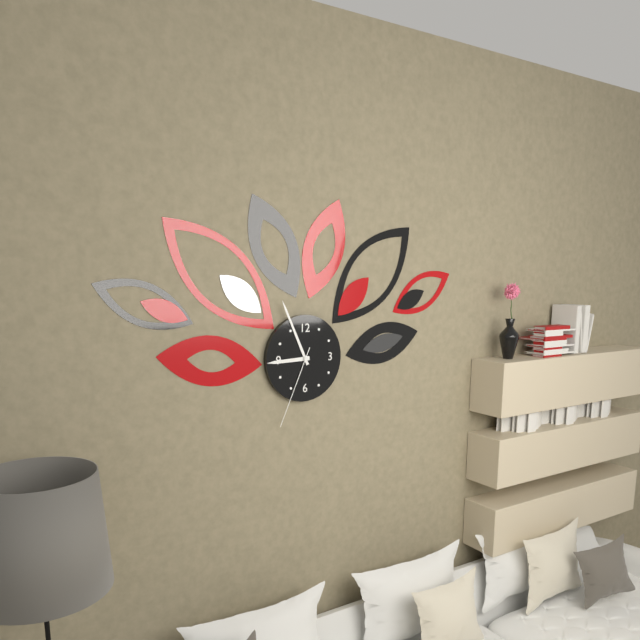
h=8 m=56 s=34
